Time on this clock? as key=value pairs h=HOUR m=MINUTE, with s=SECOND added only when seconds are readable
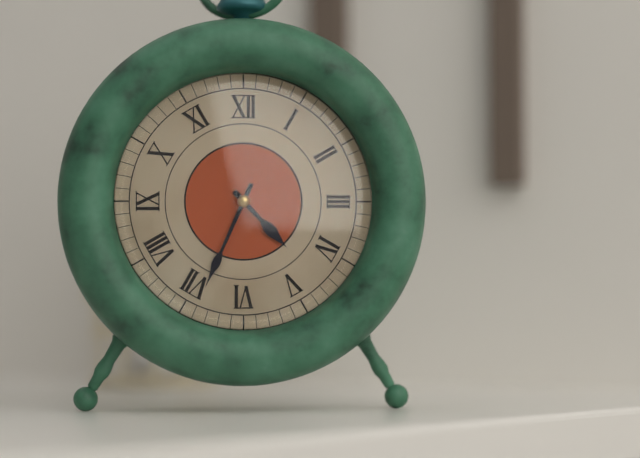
h=4 m=34
